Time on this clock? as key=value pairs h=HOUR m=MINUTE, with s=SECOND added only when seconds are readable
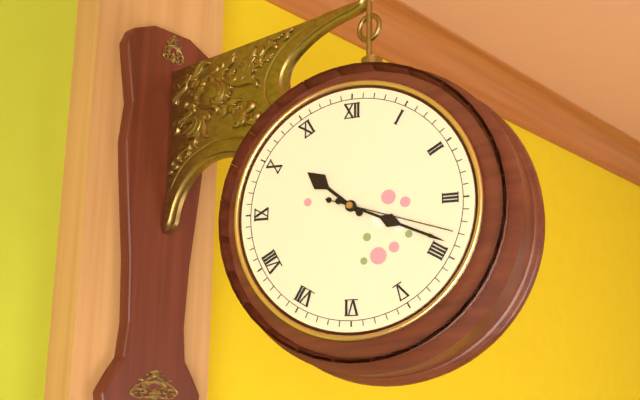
h=10 m=19 s=18
